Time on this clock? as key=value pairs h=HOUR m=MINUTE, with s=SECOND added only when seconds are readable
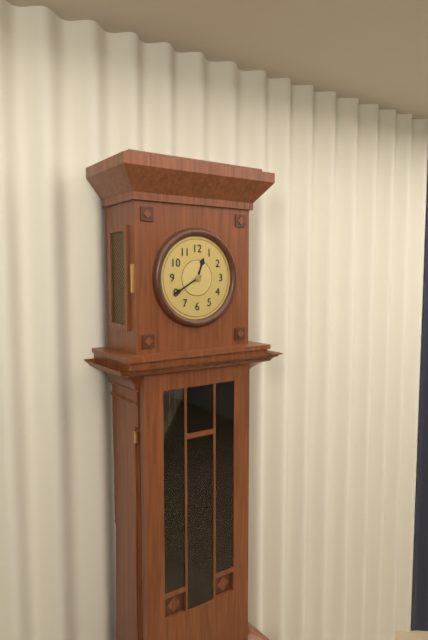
h=12 m=40
